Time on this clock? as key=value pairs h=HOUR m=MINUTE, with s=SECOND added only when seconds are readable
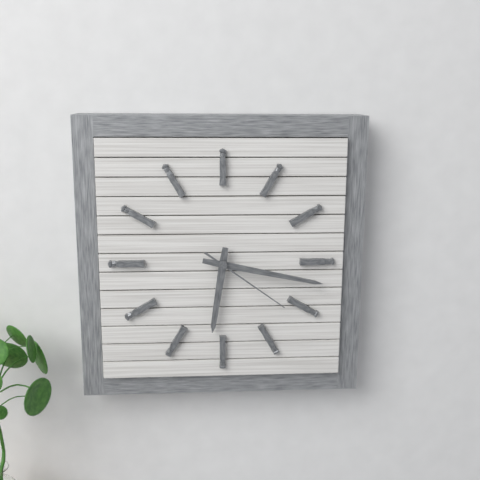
h=6 m=17 s=21
